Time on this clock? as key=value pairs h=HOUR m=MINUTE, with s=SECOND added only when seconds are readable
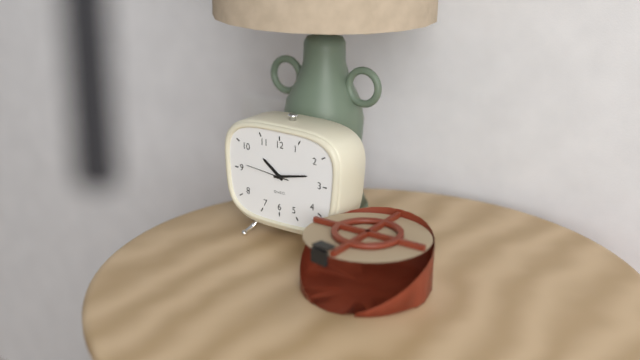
h=10 m=13
